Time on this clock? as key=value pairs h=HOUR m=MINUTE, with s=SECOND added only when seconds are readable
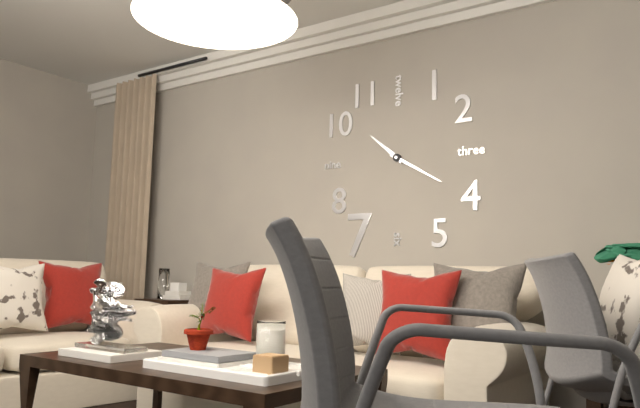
h=10 m=20
